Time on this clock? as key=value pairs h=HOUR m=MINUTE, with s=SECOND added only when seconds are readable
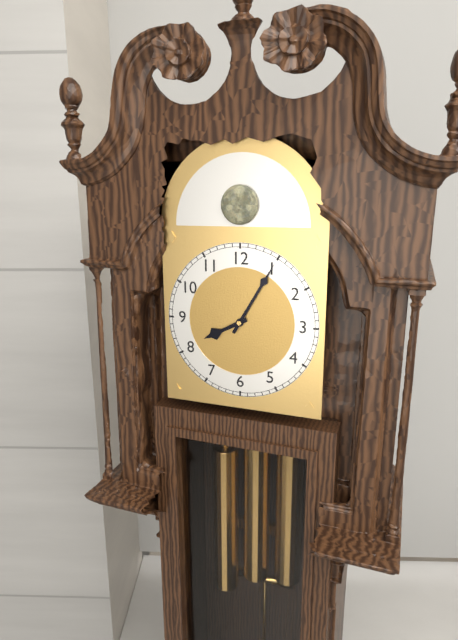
h=8 m=5
